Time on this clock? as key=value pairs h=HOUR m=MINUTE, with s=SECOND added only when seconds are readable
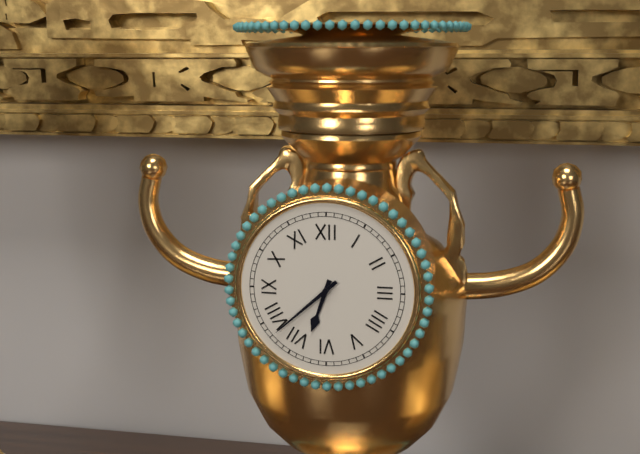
h=6 m=38
